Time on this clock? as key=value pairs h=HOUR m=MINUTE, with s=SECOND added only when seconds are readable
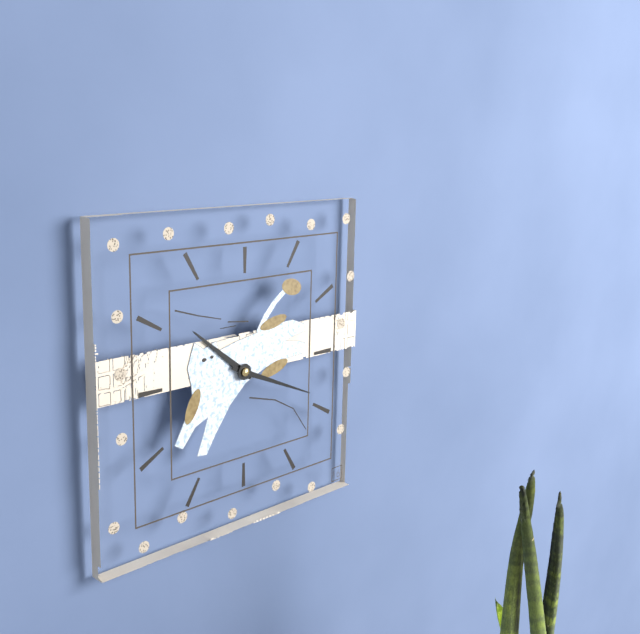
h=10 m=19
